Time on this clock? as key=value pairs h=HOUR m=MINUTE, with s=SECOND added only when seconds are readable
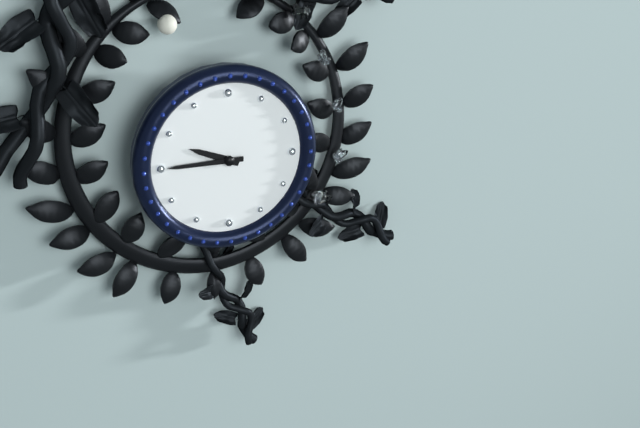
h=9 m=45
